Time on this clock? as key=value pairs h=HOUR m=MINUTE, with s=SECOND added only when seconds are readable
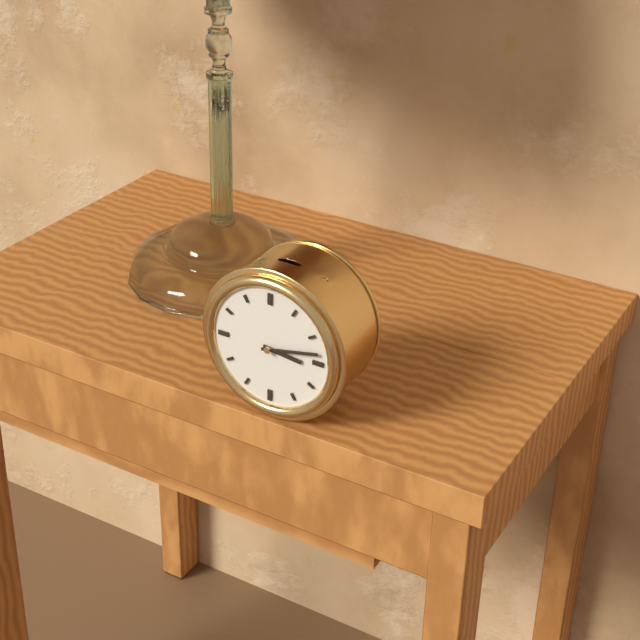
h=3 m=13
